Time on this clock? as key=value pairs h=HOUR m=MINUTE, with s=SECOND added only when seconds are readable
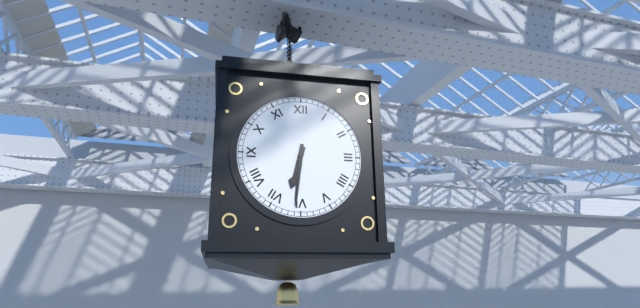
h=6 m=31
